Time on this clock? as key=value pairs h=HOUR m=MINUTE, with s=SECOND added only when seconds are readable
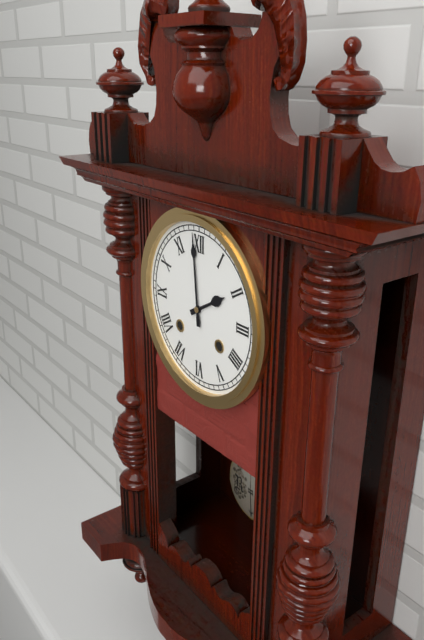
h=1 m=59
